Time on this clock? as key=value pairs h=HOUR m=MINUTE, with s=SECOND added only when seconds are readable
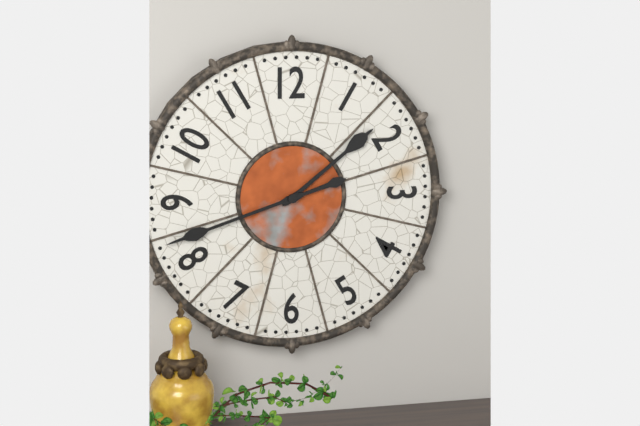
h=1 m=42
